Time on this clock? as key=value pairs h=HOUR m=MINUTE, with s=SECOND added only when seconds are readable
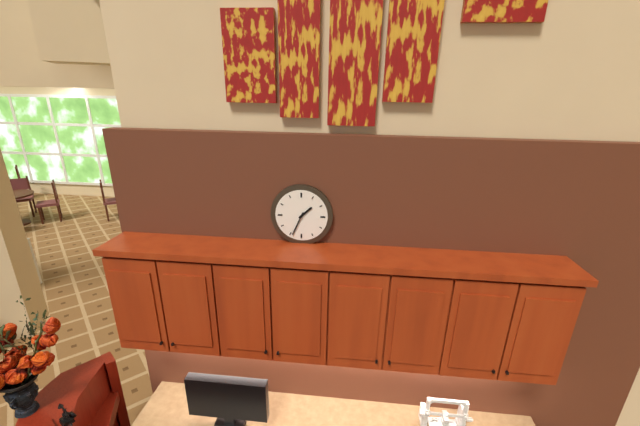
h=1 m=34
